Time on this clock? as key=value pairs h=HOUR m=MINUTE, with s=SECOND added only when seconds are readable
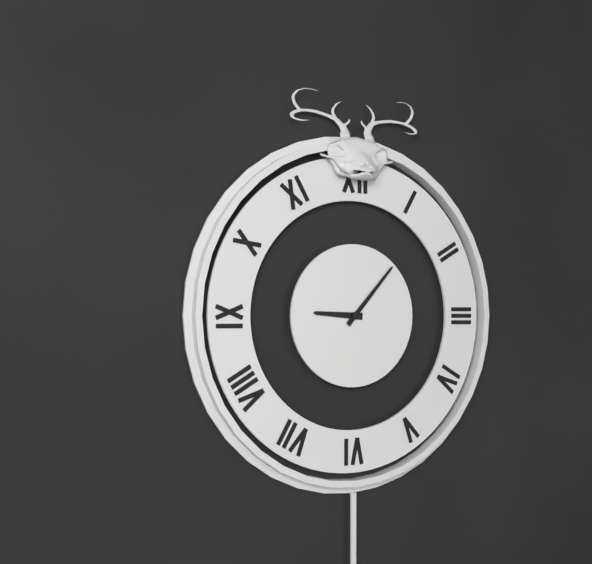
h=9 m=7
